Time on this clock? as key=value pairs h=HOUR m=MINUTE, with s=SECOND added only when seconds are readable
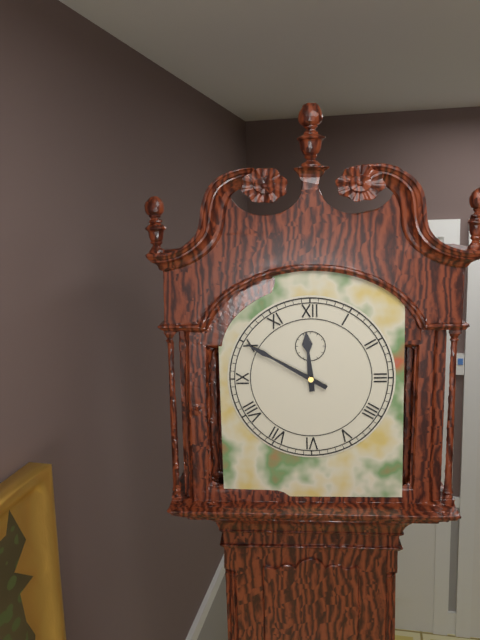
h=11 m=50
